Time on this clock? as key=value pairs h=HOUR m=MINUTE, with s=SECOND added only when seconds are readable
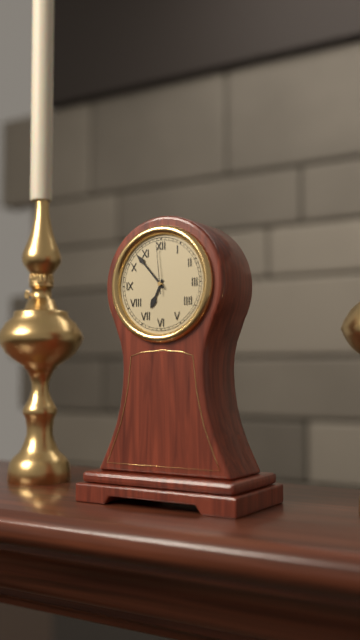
h=6 m=53 s=59
